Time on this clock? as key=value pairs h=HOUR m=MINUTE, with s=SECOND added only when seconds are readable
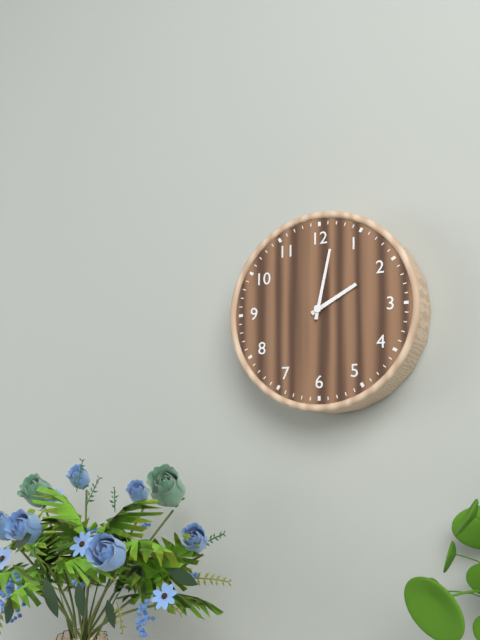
h=2 m=2
